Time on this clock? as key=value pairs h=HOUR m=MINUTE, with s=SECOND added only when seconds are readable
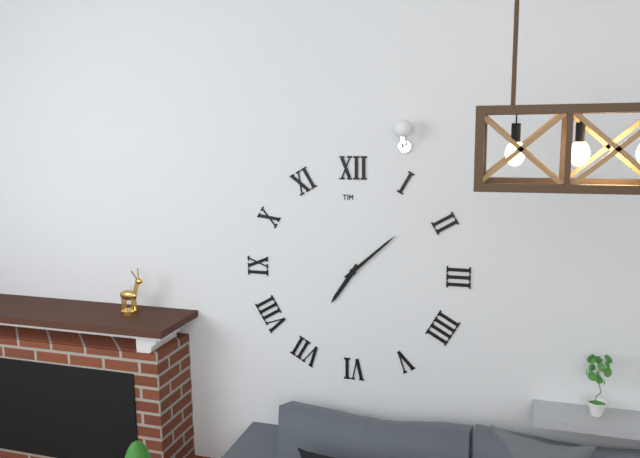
h=7 m=8
